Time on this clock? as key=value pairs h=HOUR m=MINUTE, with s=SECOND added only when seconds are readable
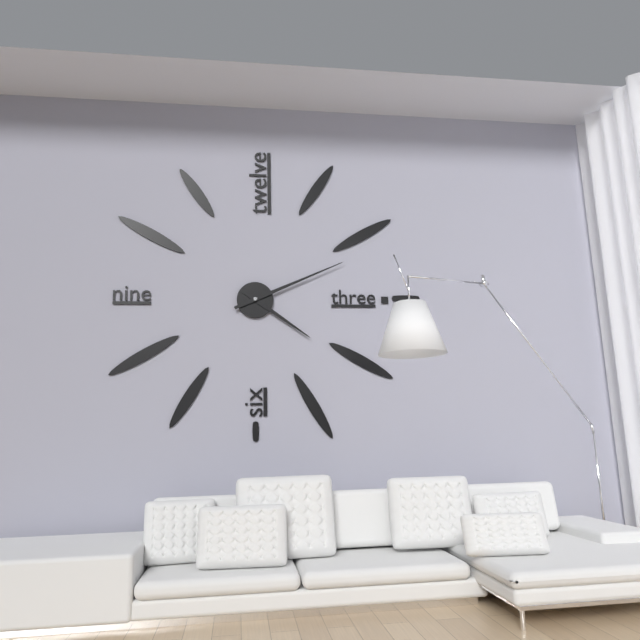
h=4 m=11
